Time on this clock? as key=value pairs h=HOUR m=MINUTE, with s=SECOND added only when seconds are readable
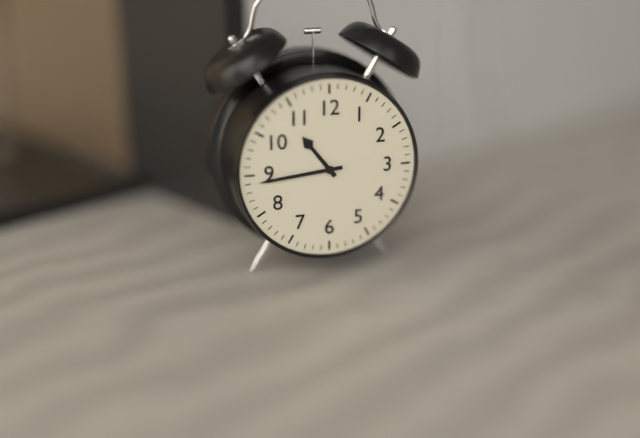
h=10 m=44
